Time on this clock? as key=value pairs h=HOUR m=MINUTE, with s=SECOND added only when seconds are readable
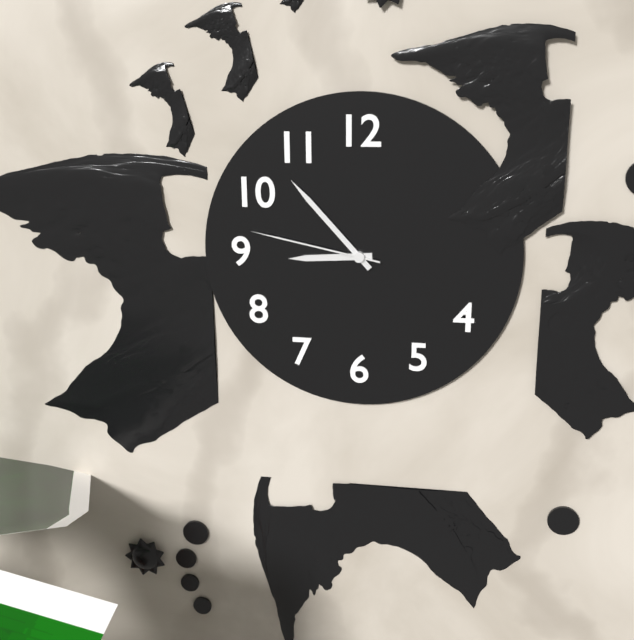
h=8 m=53 s=47
